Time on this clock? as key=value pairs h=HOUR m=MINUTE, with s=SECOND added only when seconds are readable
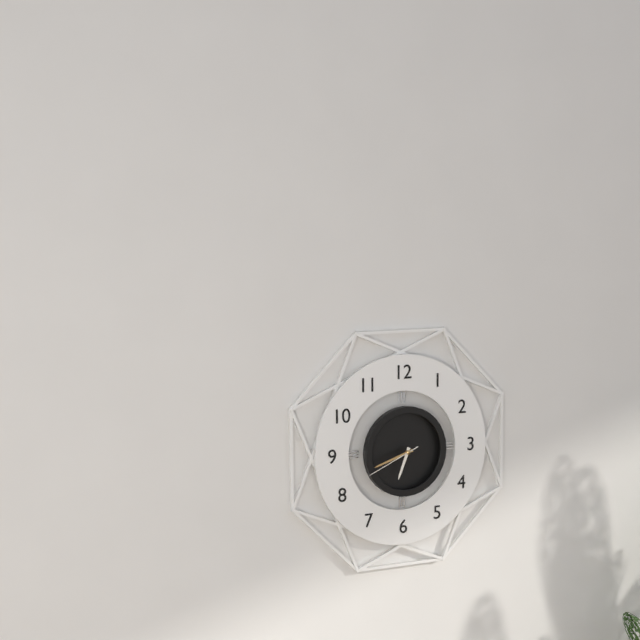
h=6 m=42 s=41
